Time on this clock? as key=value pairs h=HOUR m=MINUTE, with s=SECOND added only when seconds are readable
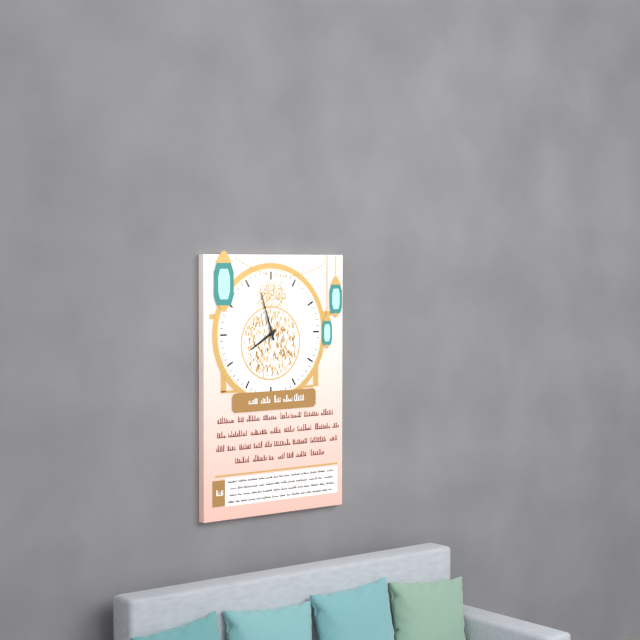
h=7 m=57
